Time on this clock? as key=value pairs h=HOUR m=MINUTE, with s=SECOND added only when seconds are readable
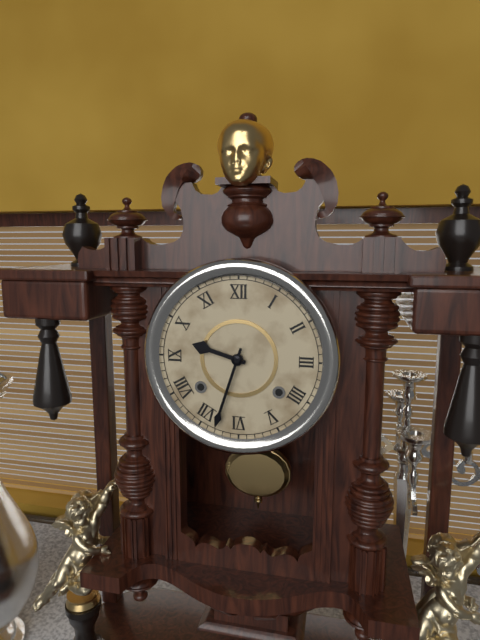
h=9 m=33
